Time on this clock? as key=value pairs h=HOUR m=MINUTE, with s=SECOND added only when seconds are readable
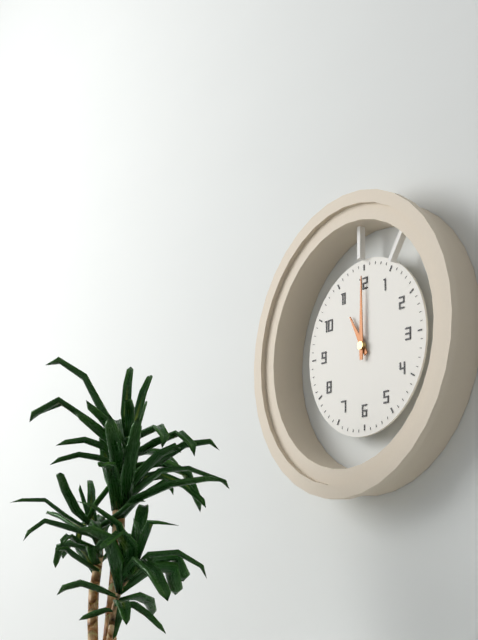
h=11 m=0
